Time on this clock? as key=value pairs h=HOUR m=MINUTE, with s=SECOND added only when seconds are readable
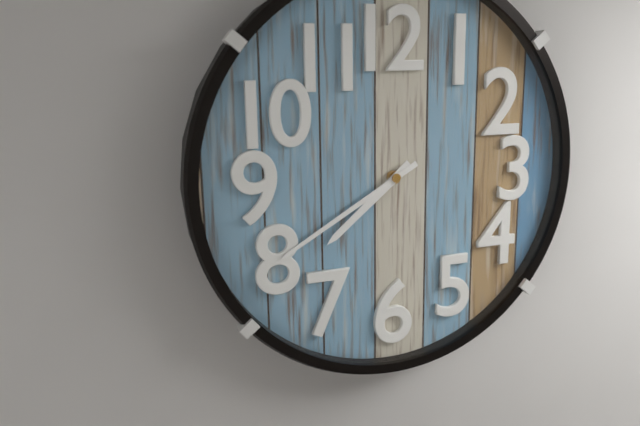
h=7 m=40
